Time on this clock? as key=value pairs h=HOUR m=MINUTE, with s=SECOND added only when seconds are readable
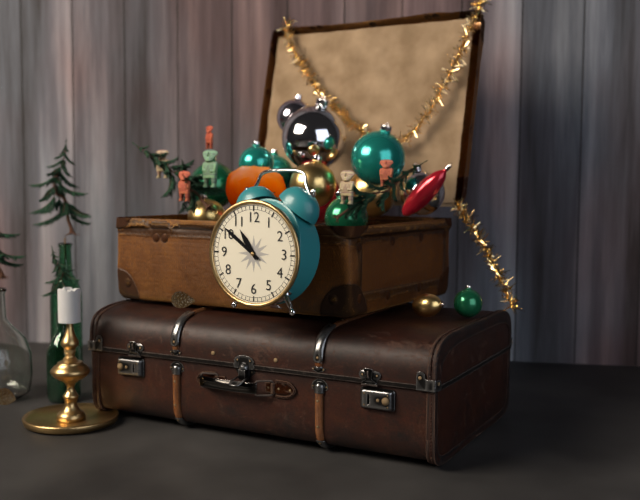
h=10 m=51
